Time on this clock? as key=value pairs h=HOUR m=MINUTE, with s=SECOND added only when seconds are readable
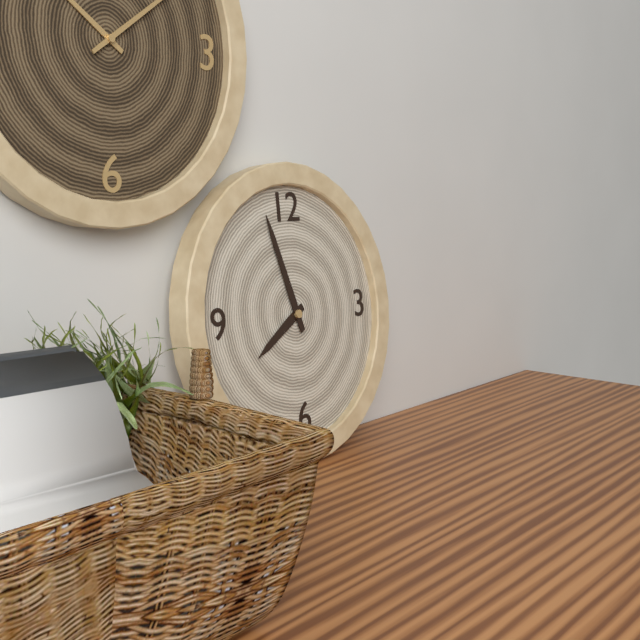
h=7 m=57
